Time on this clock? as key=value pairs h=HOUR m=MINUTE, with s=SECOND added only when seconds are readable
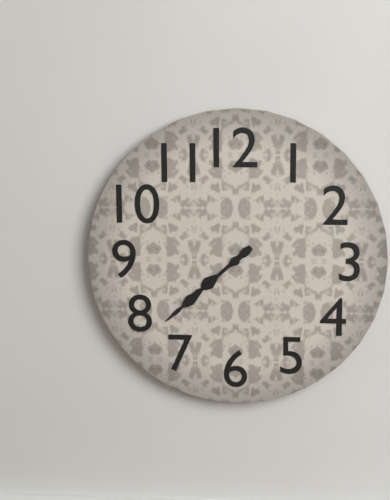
h=7 m=38
